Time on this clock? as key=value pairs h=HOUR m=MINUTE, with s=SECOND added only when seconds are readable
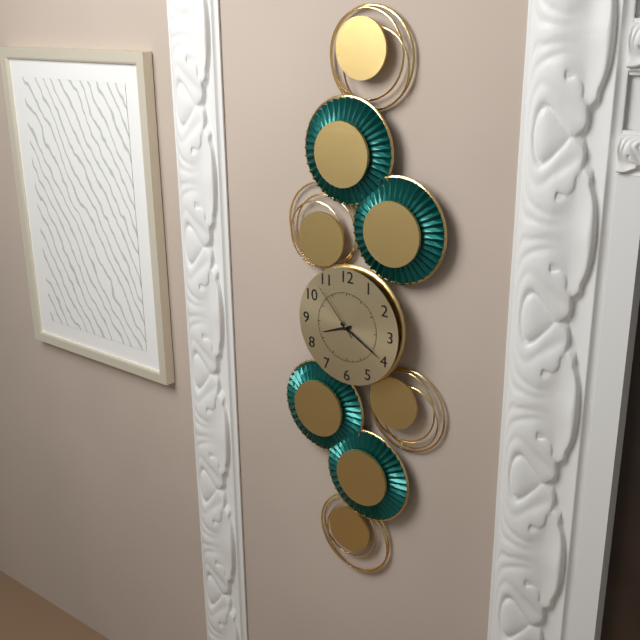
h=8 m=20 s=53
